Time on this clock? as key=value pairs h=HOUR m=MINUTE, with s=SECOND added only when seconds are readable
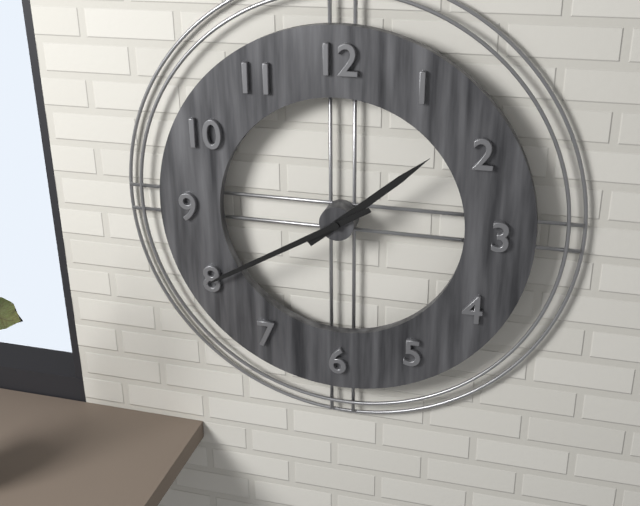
h=1 m=40
